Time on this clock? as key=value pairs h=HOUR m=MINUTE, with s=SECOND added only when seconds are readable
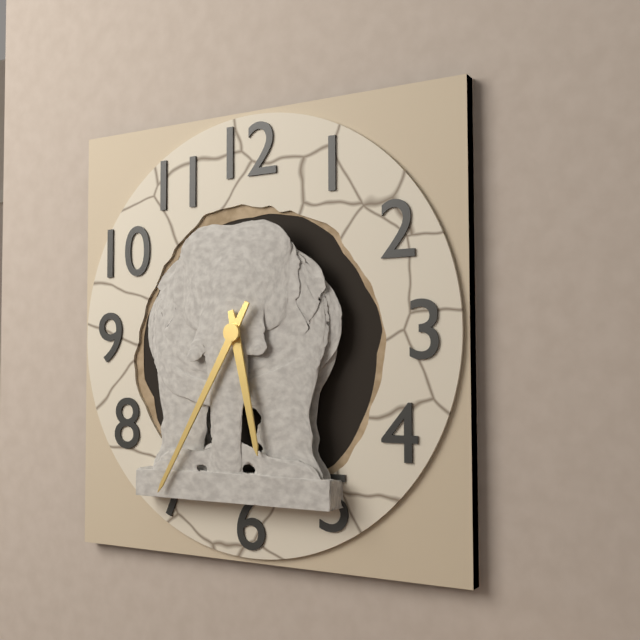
h=5 m=35
